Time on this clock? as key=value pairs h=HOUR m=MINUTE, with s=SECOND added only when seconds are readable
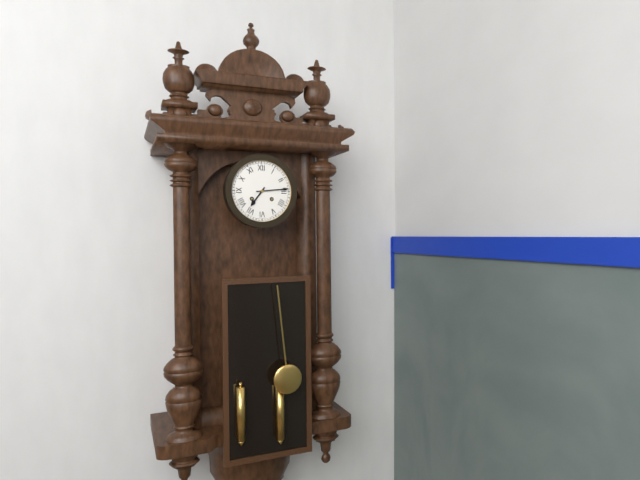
h=7 m=14
